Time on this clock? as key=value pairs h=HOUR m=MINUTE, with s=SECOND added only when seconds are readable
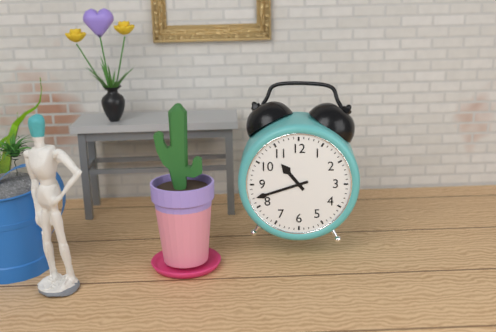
h=10 m=42
